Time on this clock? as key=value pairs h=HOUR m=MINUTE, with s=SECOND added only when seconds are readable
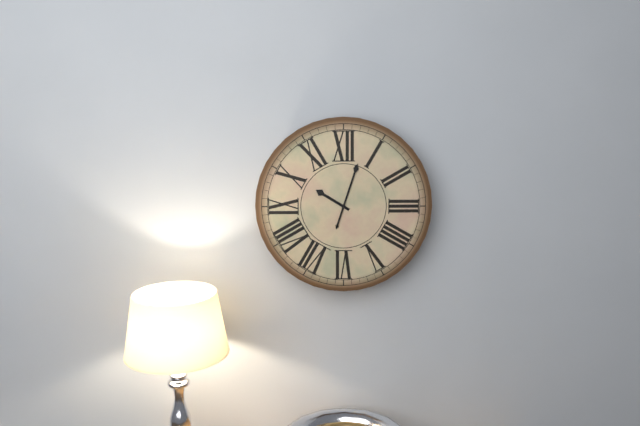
h=10 m=3
